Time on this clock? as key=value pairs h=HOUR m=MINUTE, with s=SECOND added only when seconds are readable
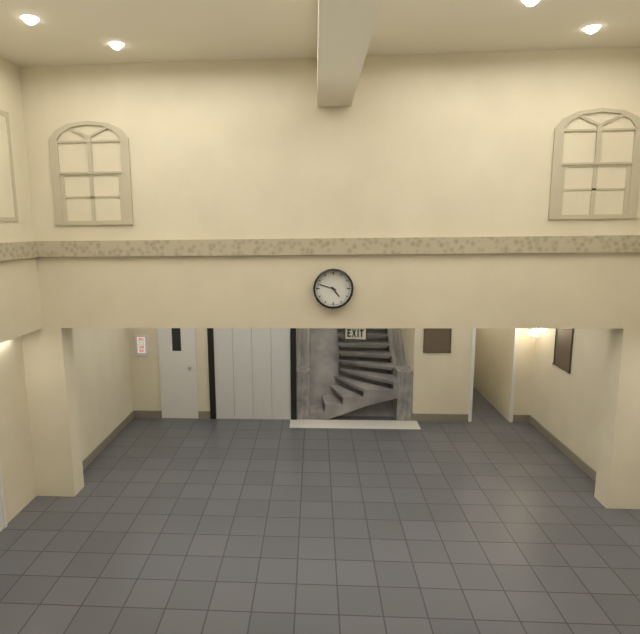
h=4 m=48
